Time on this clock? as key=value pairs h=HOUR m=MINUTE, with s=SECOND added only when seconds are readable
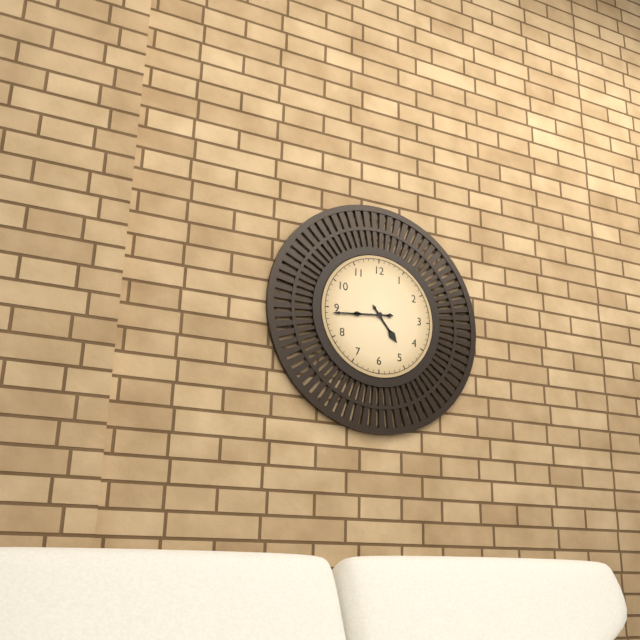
h=4 m=44
